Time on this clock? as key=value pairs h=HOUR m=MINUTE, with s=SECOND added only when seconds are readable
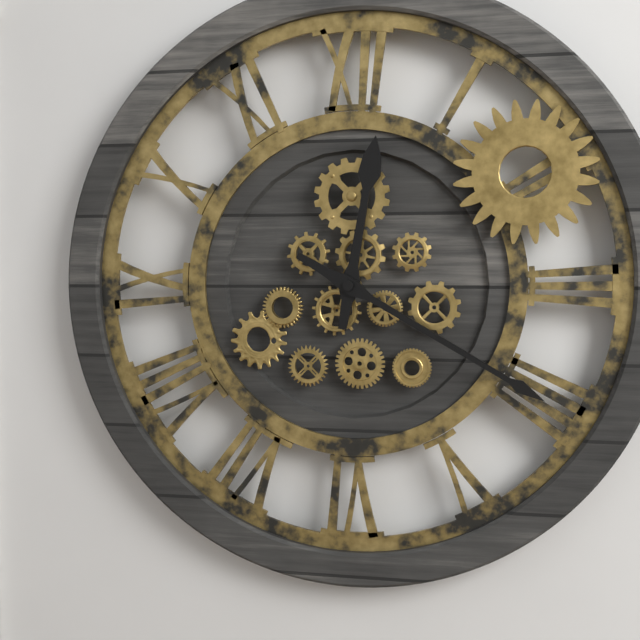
h=12 m=20
